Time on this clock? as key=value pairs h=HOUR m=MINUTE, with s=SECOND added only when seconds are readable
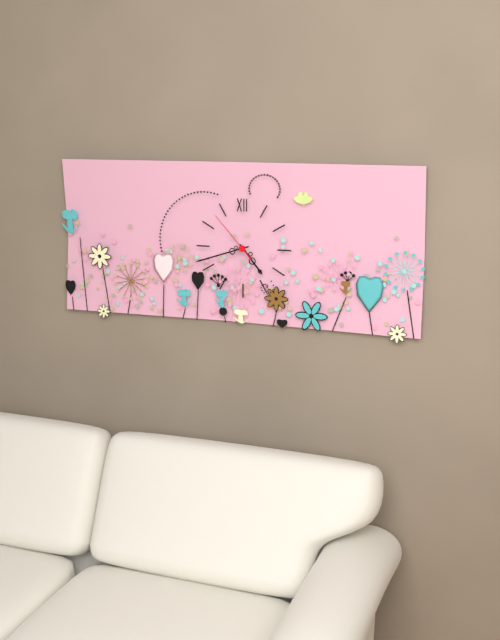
h=4 m=42 s=53
